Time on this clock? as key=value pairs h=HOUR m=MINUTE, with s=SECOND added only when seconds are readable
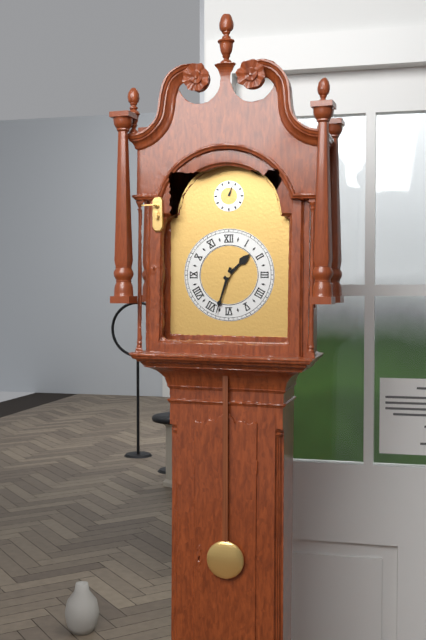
h=1 m=33
